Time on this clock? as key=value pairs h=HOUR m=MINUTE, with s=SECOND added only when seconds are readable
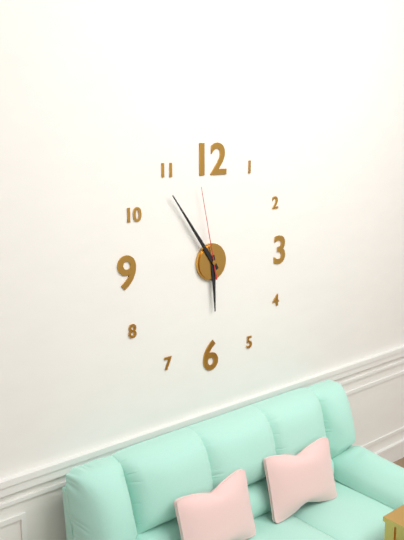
h=5 m=54 s=58
